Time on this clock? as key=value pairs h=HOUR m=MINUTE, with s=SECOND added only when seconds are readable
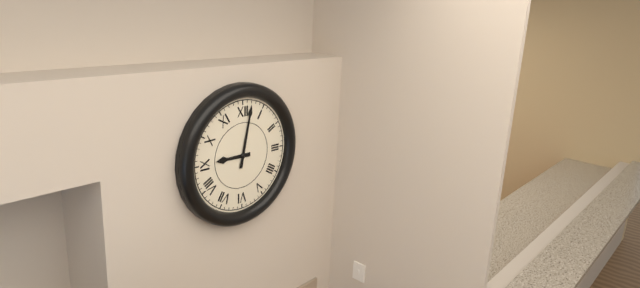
h=9 m=2
